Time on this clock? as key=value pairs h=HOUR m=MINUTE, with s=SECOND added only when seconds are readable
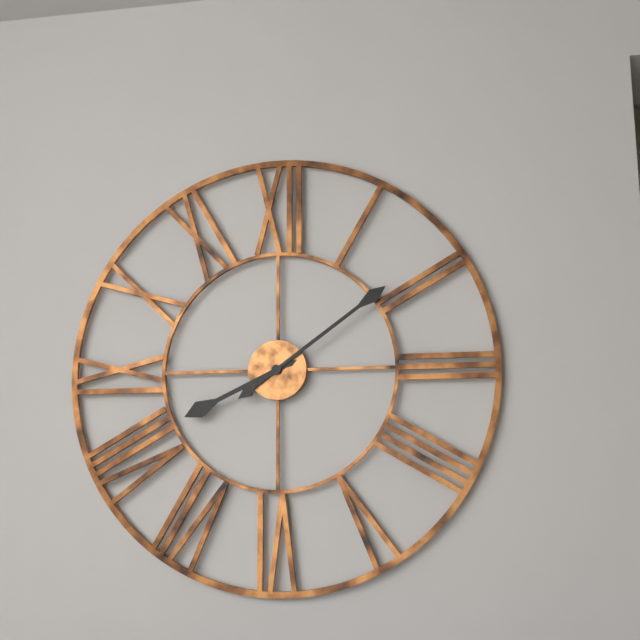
h=8 m=9
